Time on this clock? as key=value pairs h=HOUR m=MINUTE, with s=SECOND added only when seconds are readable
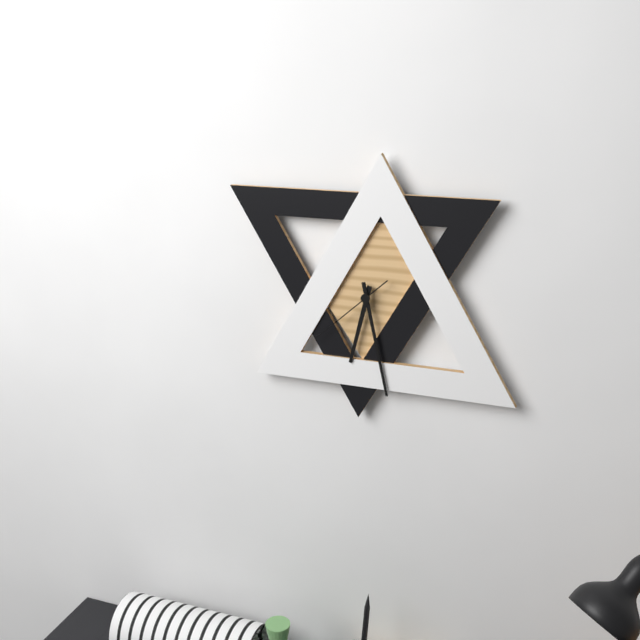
h=6 m=28 s=38
